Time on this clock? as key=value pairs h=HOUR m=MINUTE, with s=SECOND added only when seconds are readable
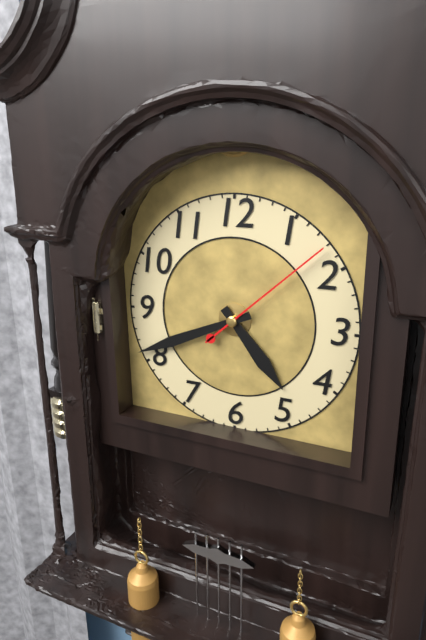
h=4 m=41 s=8
